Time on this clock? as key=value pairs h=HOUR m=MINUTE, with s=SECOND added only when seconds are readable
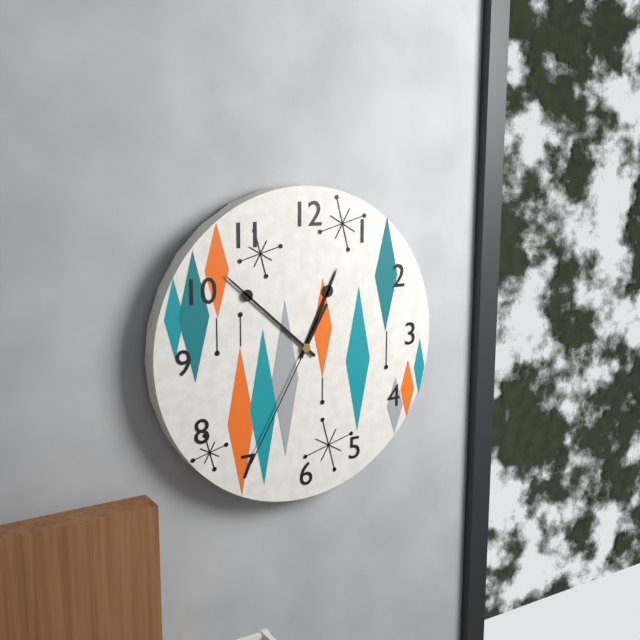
h=12 m=52 s=35
